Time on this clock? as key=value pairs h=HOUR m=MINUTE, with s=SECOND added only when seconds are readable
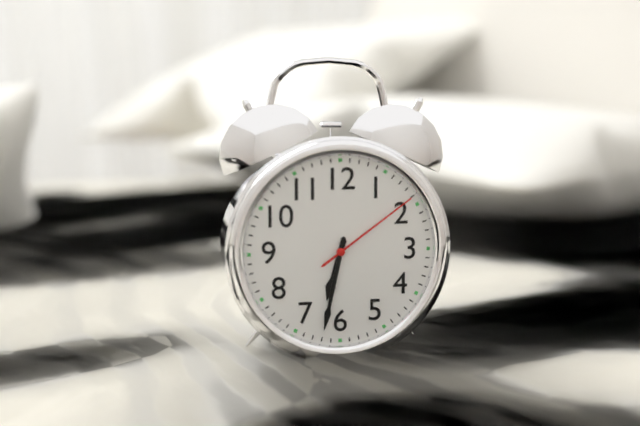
h=6 m=32 s=9
